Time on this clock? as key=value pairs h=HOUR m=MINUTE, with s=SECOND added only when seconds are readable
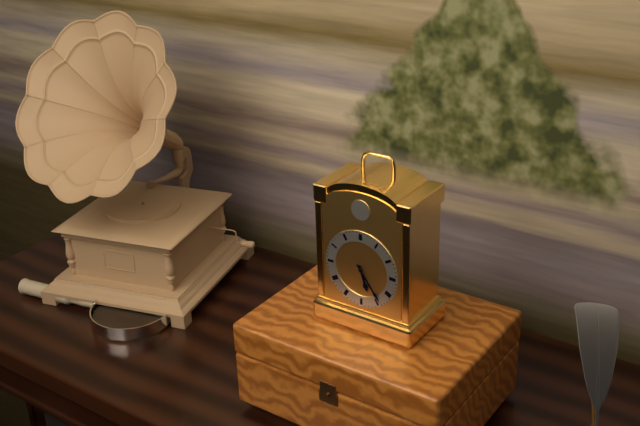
h=5 m=24
